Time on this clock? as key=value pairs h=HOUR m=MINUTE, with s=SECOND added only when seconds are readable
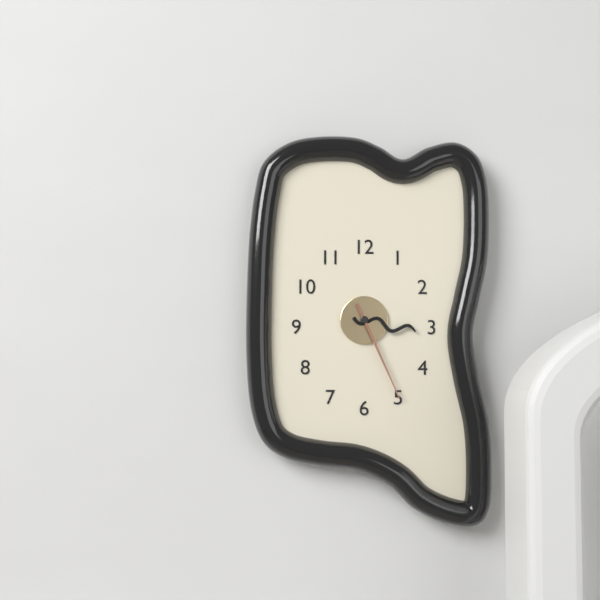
h=3 m=26
